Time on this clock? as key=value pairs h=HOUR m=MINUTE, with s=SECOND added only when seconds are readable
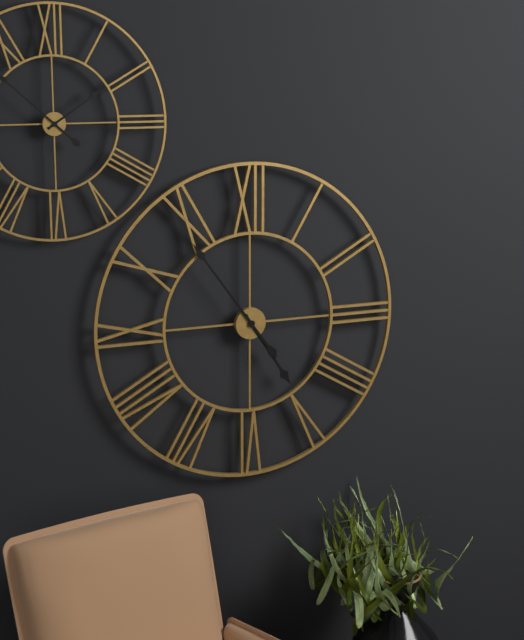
h=4 m=54
